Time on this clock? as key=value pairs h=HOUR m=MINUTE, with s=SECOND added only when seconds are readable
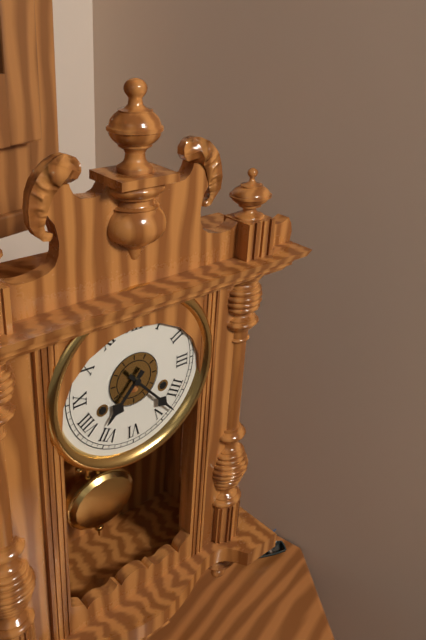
h=7 m=23
